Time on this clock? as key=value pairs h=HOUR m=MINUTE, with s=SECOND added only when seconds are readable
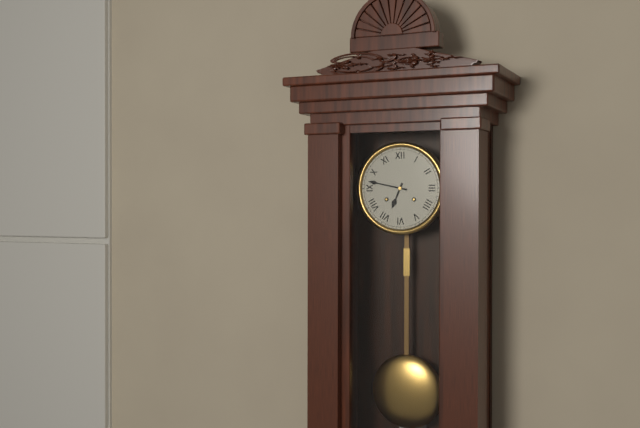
h=6 m=47
